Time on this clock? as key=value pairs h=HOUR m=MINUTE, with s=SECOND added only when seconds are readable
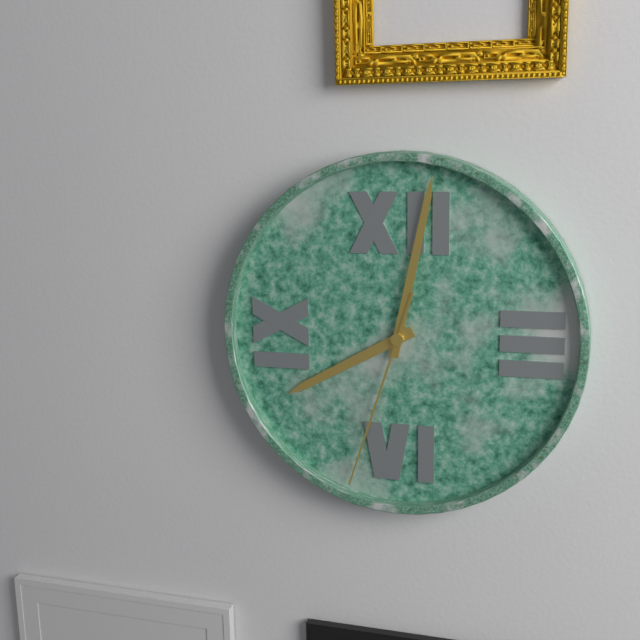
h=8 m=2 s=33
